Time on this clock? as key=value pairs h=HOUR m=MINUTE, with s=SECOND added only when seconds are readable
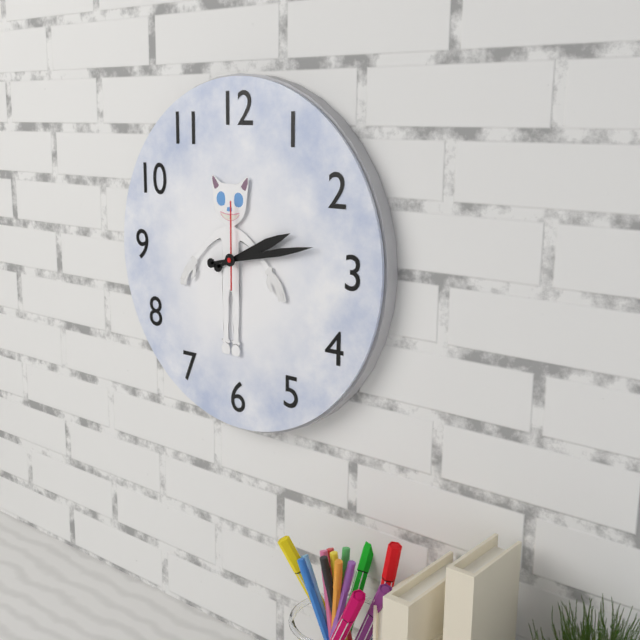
h=2 m=13 s=0
